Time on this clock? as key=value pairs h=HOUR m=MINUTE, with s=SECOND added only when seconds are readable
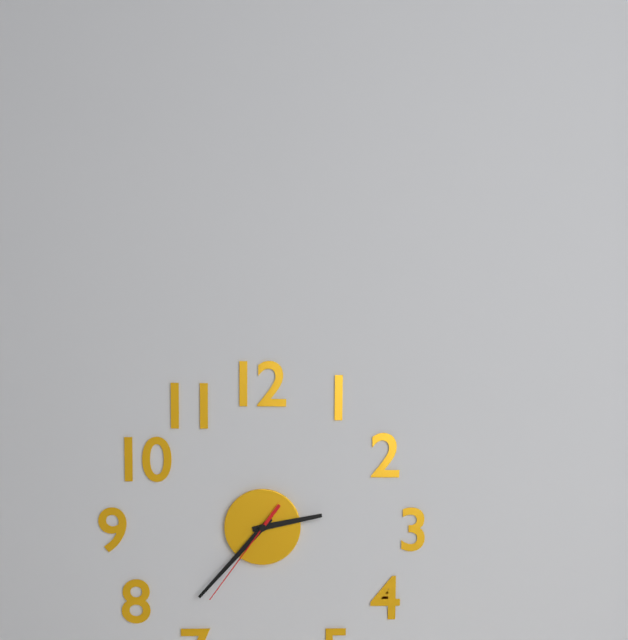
h=2 m=37 s=36
